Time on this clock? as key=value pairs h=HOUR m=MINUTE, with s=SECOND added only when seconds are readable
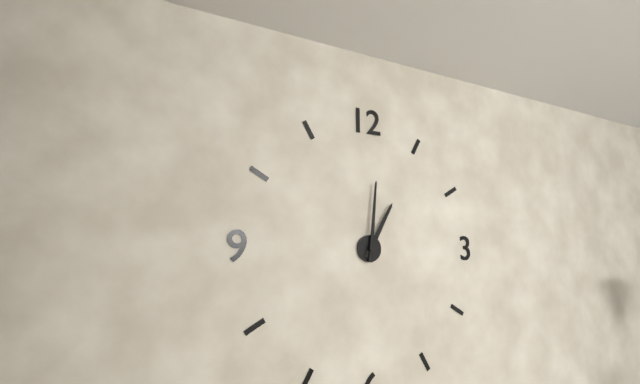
h=1 m=1
